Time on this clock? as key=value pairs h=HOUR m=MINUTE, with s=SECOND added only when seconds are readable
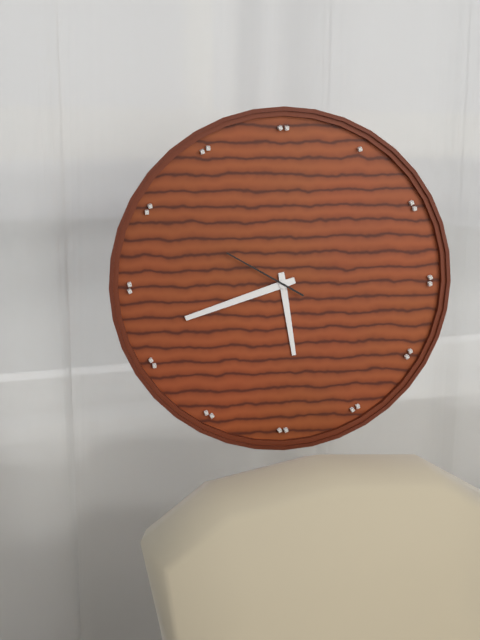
h=5 m=42 s=50
